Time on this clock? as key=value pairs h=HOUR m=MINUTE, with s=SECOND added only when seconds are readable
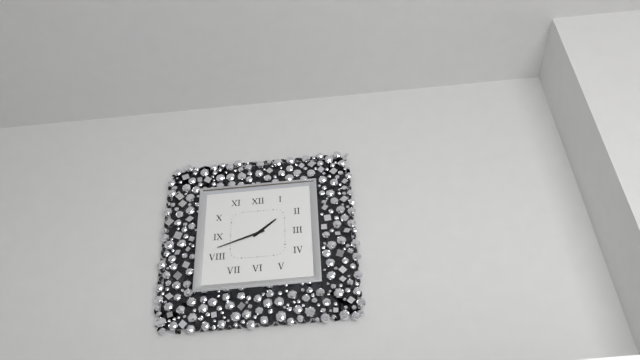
h=1 m=42
